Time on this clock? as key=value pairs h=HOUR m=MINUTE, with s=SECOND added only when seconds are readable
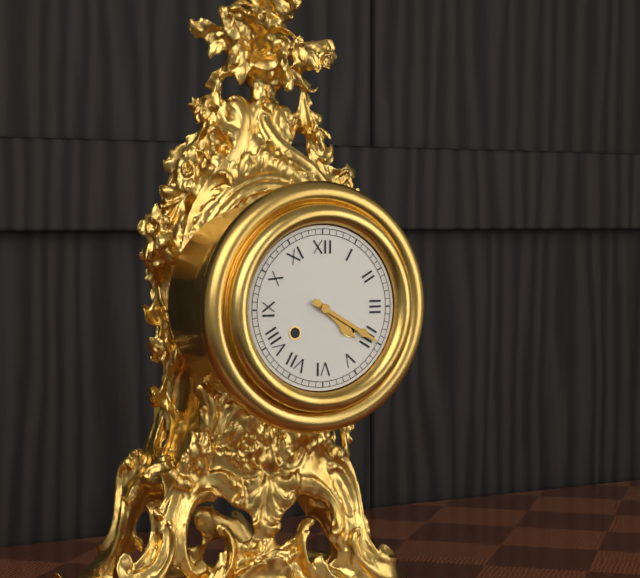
h=4 m=20
